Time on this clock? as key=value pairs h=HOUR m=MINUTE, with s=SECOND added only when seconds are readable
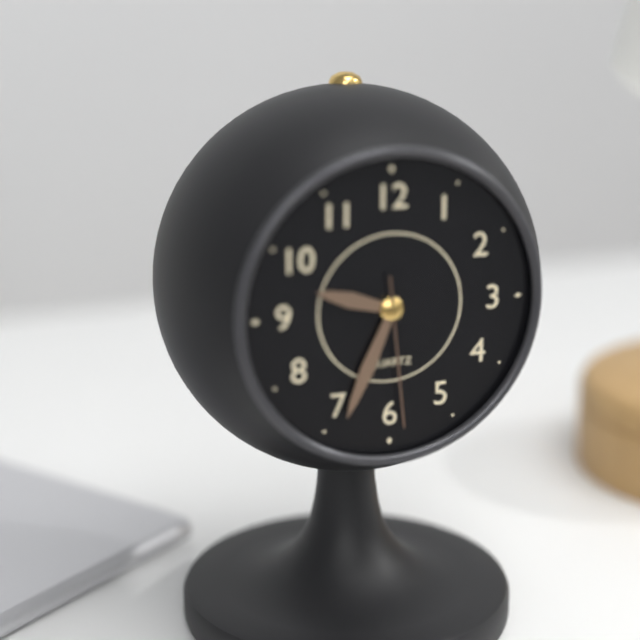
h=9 m=34 s=29
